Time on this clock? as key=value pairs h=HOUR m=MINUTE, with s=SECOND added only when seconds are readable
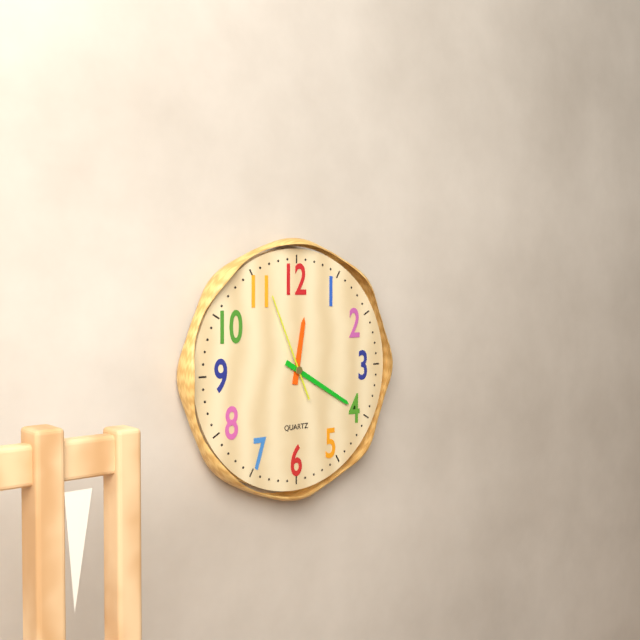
h=12 m=20 s=56
